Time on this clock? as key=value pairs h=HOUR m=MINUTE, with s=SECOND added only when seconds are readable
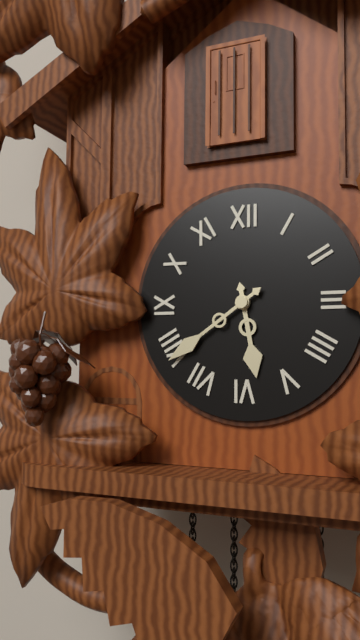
h=5 m=39
